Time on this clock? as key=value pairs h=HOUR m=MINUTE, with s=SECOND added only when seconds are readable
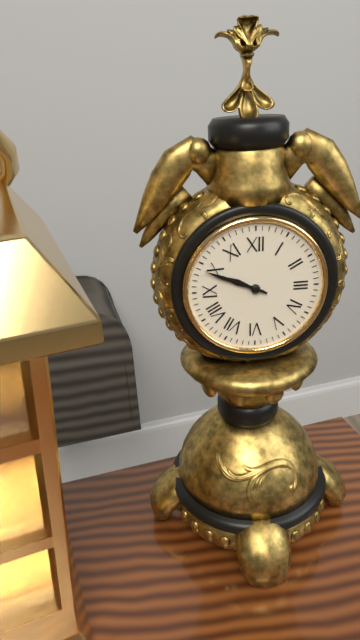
h=9 m=49
